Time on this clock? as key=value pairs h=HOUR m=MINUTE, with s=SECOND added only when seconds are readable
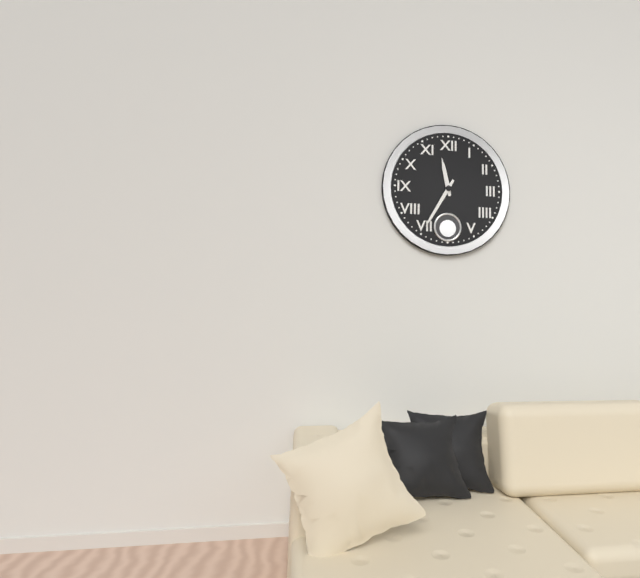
h=11 m=35
